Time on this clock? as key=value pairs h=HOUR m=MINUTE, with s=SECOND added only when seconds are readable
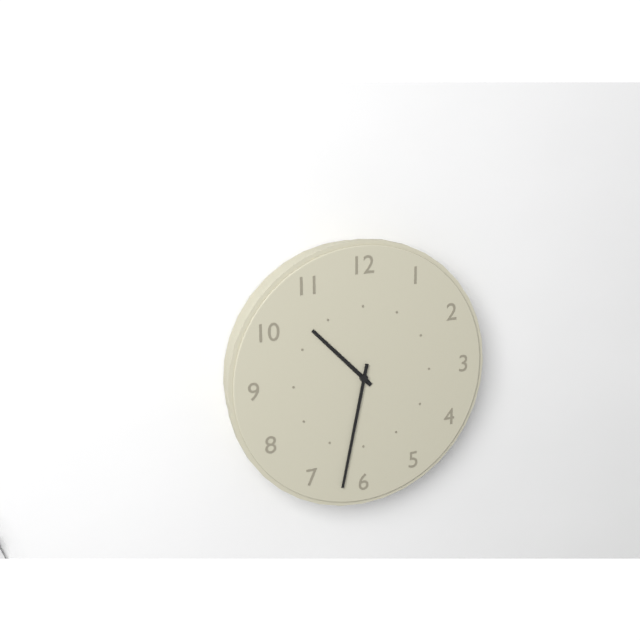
h=10 m=32
